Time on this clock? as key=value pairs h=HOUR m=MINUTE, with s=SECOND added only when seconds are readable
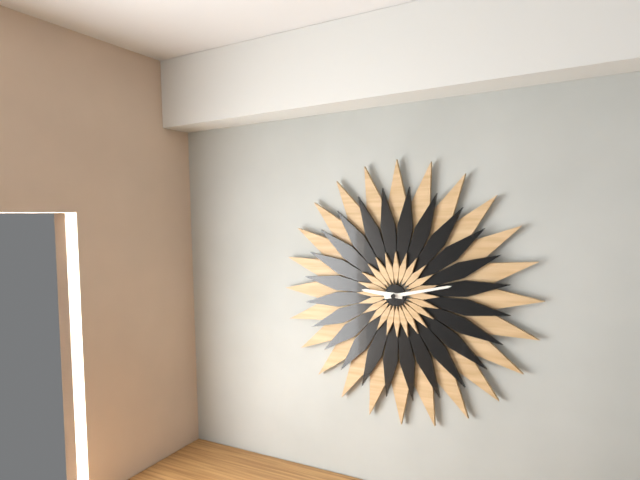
h=9 m=13
